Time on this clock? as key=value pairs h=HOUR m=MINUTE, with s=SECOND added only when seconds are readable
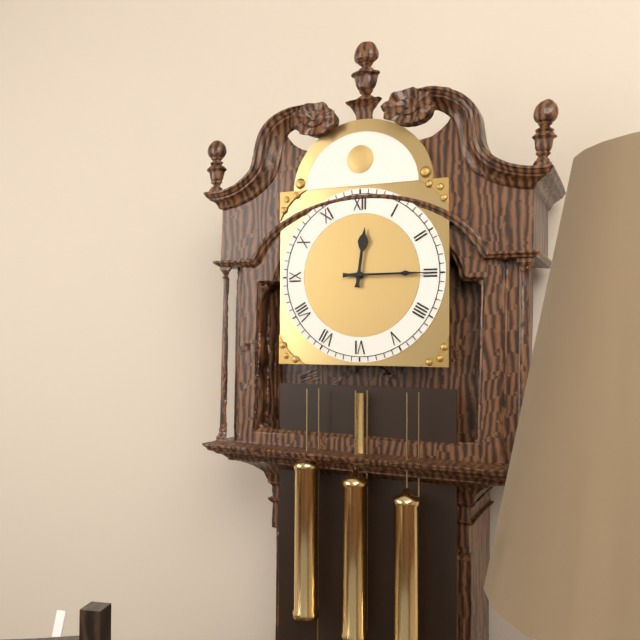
h=12 m=15
